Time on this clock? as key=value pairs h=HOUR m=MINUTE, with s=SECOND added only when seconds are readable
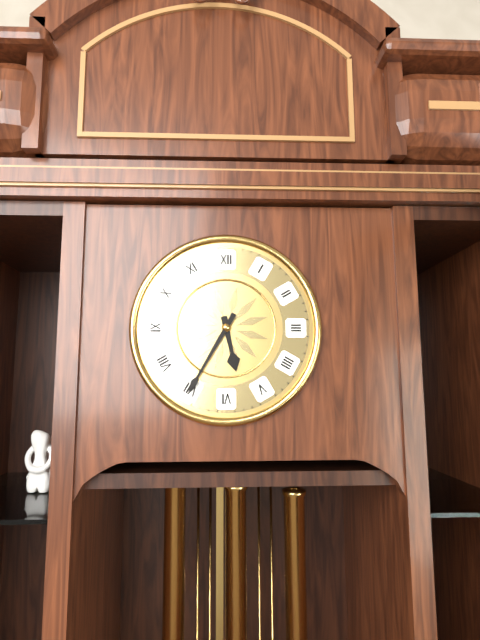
h=5 m=35
